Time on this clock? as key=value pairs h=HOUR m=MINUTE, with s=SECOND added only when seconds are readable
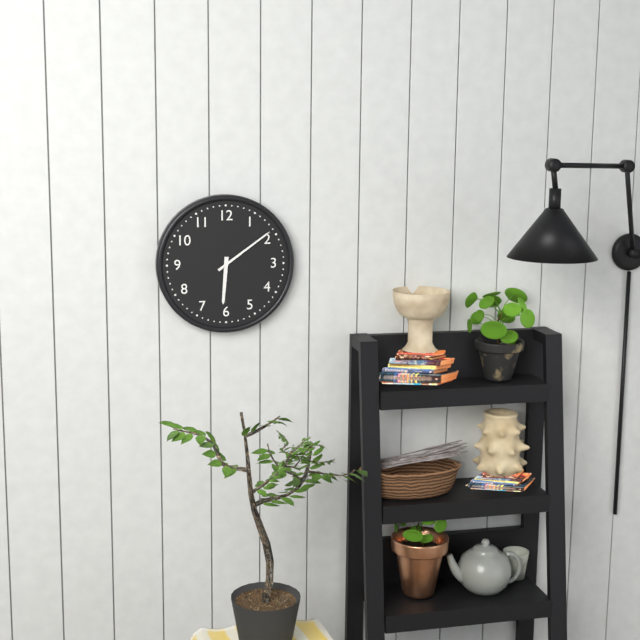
h=6 m=9
